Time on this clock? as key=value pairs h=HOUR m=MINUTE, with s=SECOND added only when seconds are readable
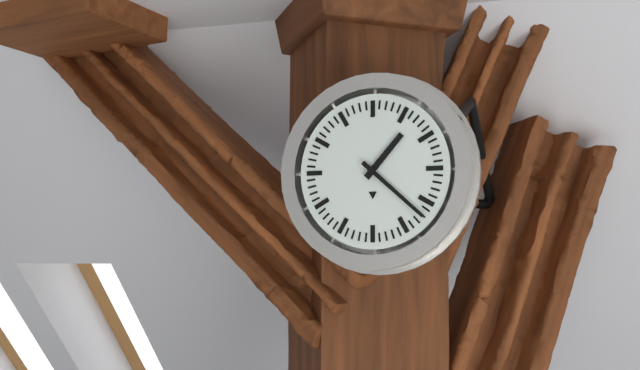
h=1 m=22
